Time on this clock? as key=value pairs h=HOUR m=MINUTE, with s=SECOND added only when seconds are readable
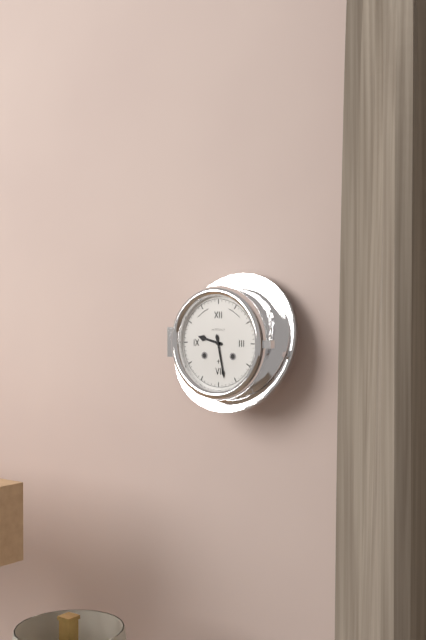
h=9 m=28
